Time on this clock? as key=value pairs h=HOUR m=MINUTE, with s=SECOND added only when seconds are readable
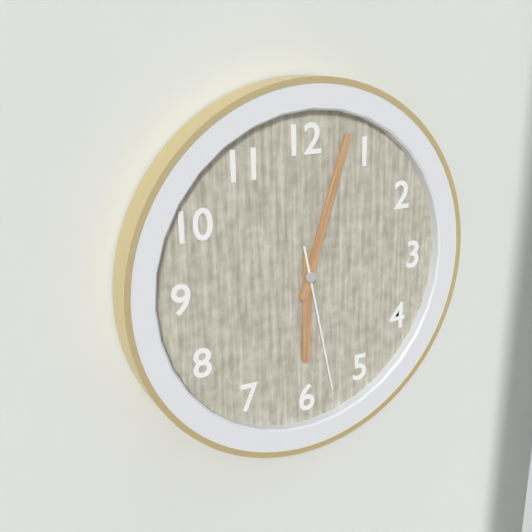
h=6 m=3 s=28
